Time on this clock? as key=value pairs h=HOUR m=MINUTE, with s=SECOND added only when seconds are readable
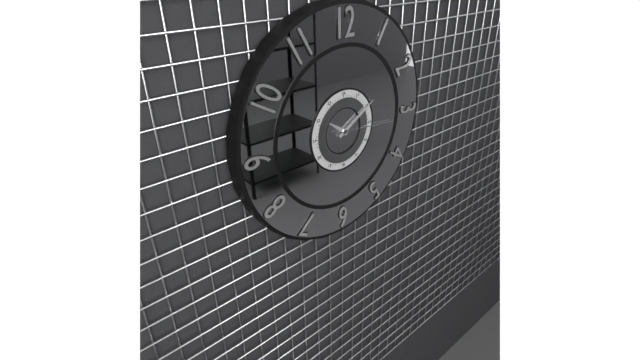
h=10 m=10 s=16
